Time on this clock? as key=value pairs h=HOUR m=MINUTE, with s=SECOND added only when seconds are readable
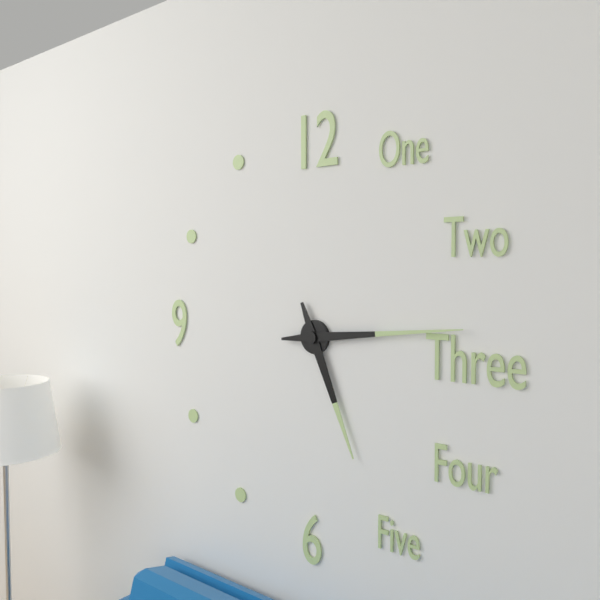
h=5 m=14
